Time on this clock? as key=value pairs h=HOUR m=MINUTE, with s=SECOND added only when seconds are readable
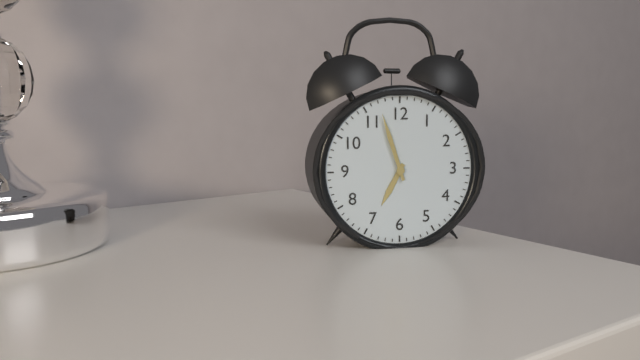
h=6 m=57
